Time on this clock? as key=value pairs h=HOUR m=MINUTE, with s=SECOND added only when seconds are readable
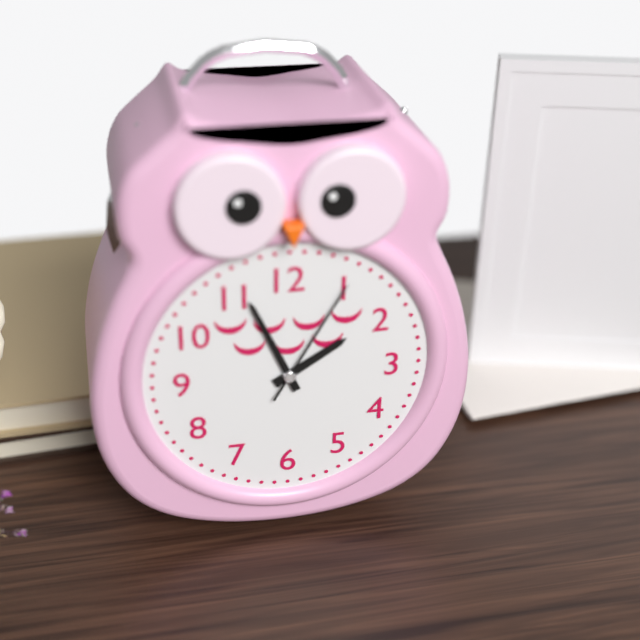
h=1 m=56 s=5
